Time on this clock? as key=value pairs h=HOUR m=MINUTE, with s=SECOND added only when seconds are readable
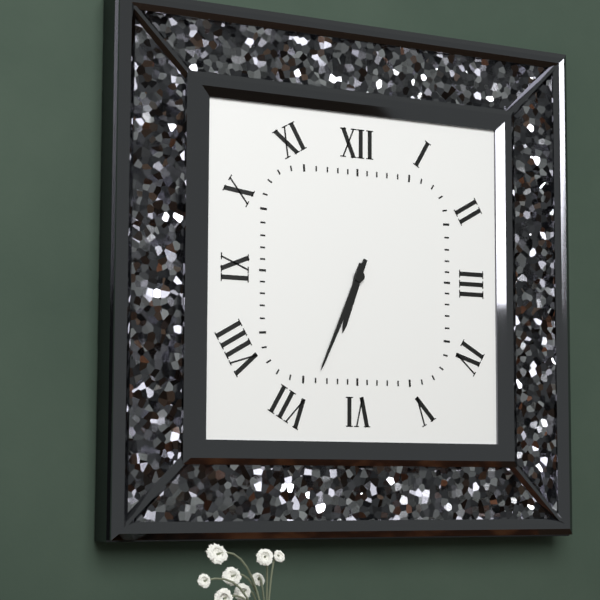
h=6 m=34
